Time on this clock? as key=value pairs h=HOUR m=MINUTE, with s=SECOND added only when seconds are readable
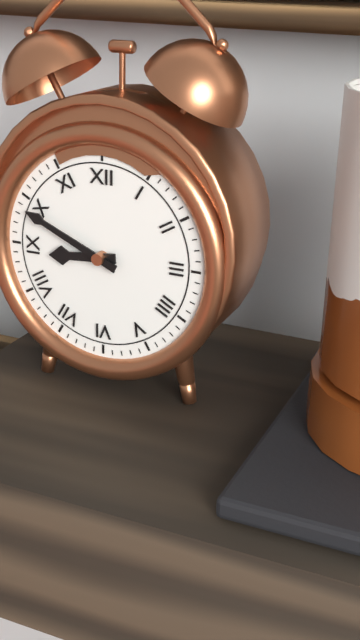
h=8 m=49
